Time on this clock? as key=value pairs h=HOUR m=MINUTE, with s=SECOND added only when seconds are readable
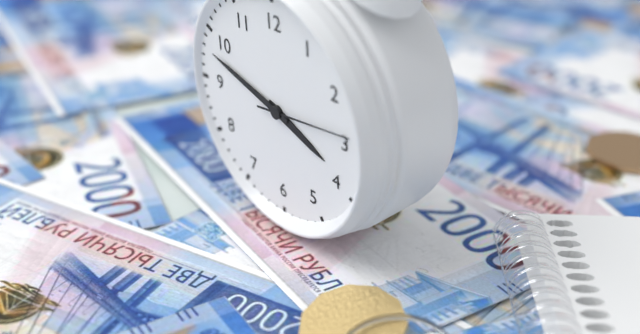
h=3 m=48 s=14
